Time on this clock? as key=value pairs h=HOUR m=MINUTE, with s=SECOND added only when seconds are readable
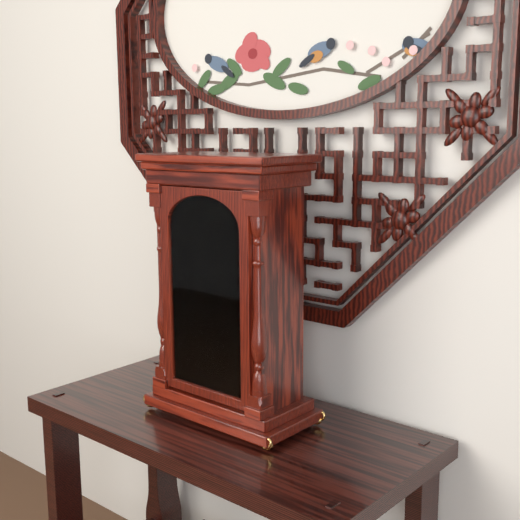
h=5 m=6
